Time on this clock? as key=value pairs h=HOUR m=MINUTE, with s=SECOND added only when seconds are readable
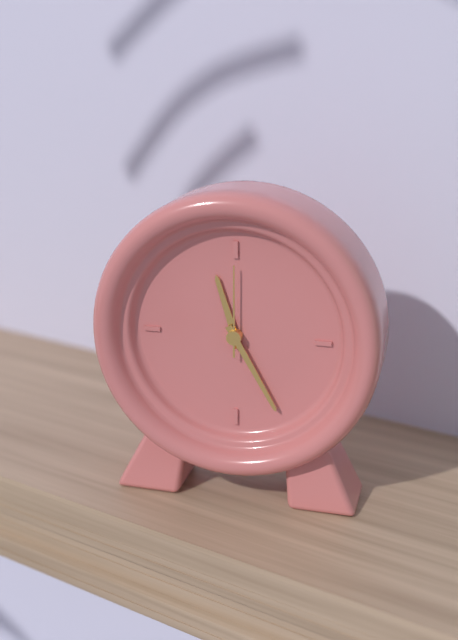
h=11 m=25 s=0
